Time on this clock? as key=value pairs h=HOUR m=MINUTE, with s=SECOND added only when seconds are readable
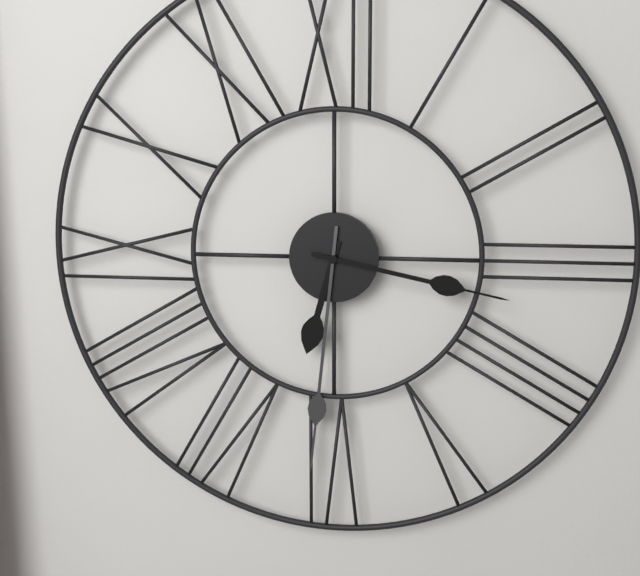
h=6 m=31 s=17
